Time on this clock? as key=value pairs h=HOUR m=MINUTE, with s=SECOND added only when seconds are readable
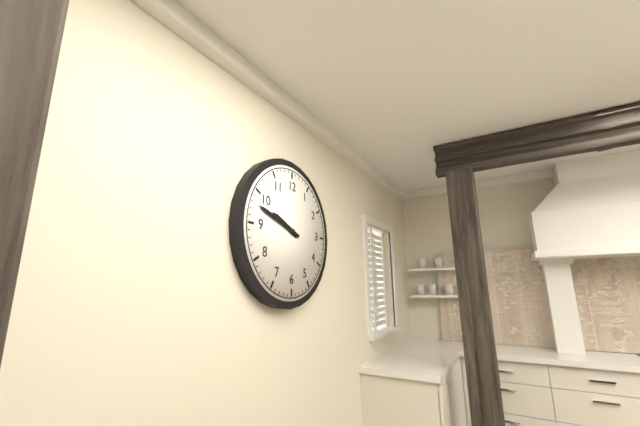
h=9 m=48
